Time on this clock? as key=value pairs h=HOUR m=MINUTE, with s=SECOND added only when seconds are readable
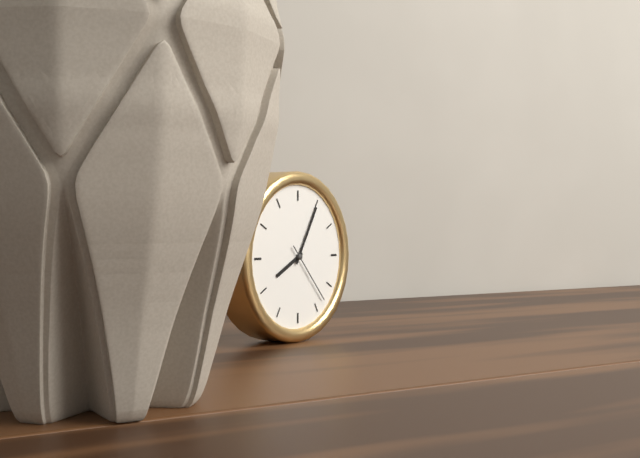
h=8 m=5 s=23
